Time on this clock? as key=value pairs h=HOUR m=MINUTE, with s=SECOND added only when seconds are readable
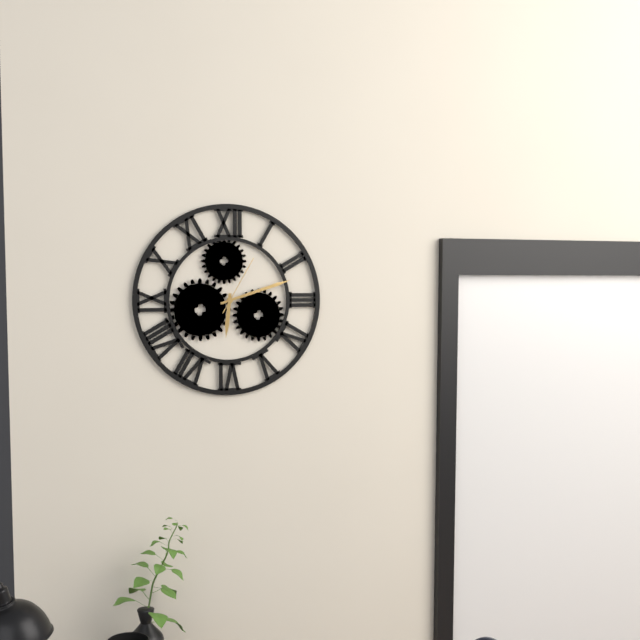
h=6 m=12 s=5
